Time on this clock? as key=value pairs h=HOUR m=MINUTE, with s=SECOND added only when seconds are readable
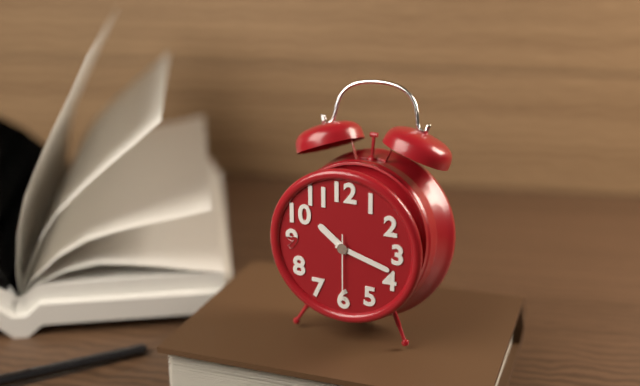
h=10 m=18 s=30
